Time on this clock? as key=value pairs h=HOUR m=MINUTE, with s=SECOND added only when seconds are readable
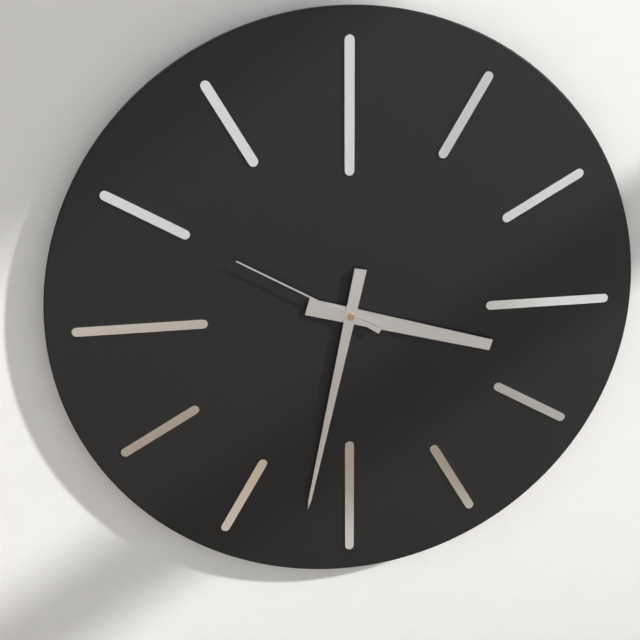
h=3 m=32 s=50
